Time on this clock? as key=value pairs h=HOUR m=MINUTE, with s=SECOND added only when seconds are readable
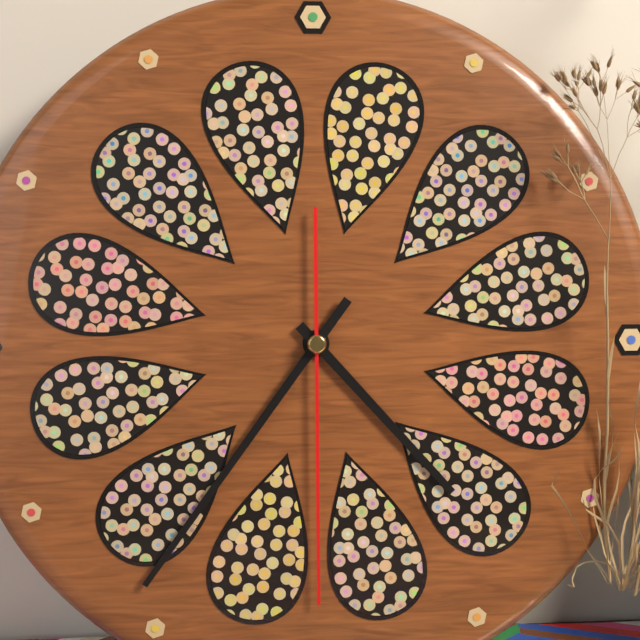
h=4 m=36 s=30
